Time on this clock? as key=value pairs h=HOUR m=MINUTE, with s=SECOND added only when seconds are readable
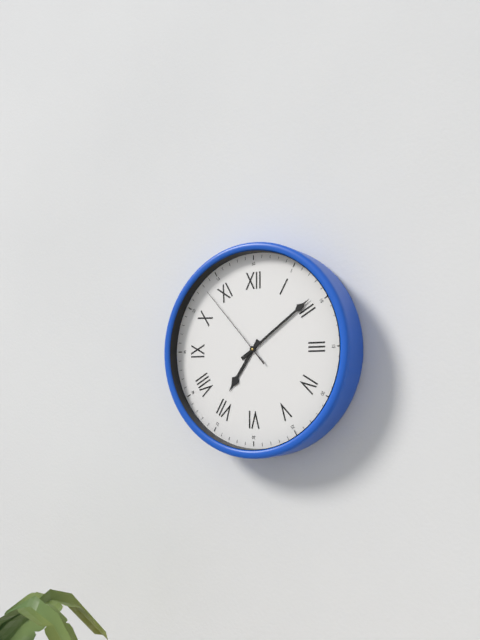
h=7 m=9 s=53
